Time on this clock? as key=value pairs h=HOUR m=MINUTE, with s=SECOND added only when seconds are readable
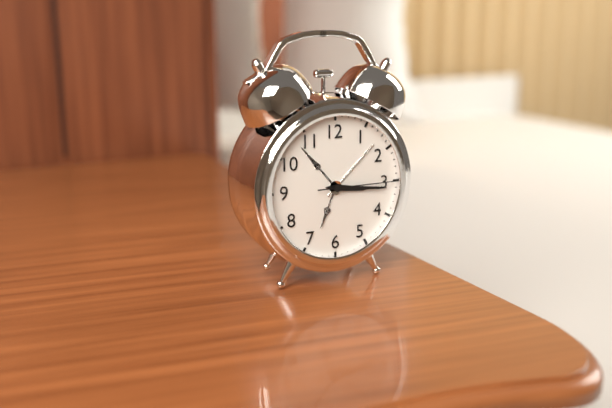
h=3 m=16 s=15
